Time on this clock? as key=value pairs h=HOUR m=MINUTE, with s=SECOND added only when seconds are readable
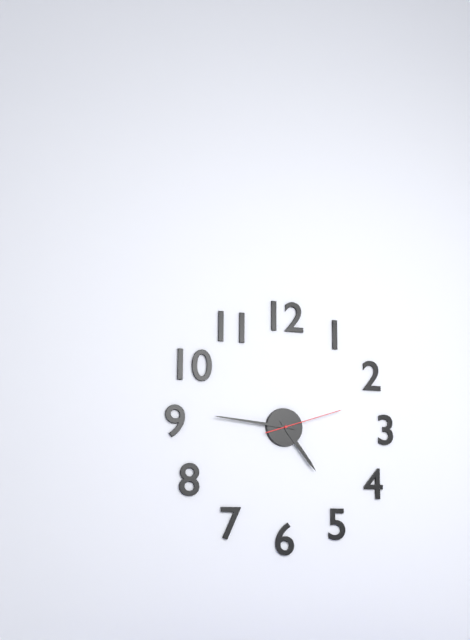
h=4 m=46 s=12
